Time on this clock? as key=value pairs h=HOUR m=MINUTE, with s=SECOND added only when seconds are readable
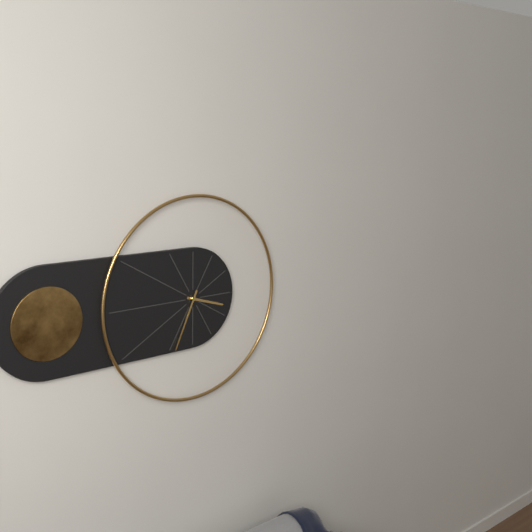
h=3 m=34
